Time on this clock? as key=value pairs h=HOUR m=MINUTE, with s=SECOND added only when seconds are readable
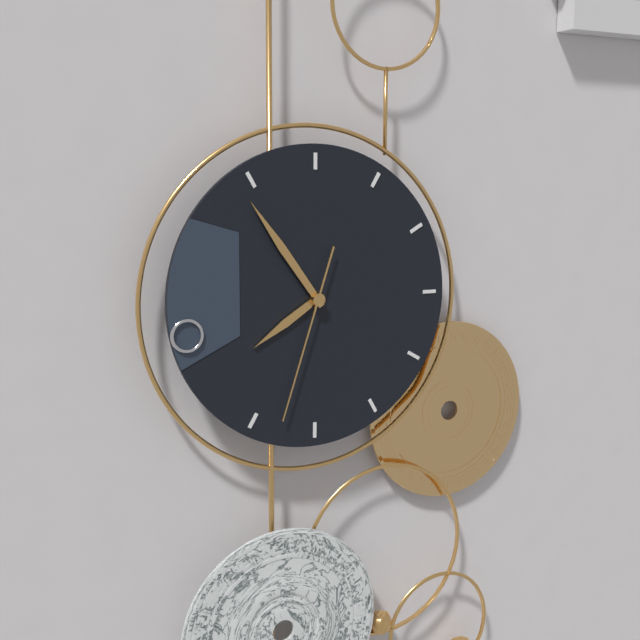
h=7 m=54 s=33
